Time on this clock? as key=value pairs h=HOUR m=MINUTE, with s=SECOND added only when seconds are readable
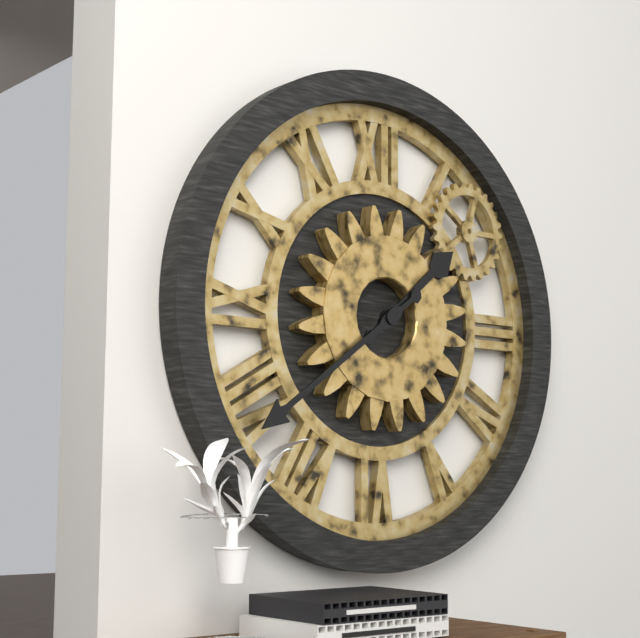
h=1 m=39
